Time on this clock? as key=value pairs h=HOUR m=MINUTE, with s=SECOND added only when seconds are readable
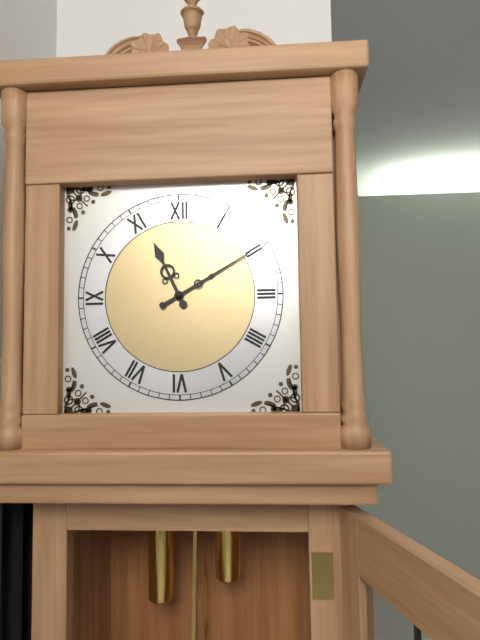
h=11 m=10
